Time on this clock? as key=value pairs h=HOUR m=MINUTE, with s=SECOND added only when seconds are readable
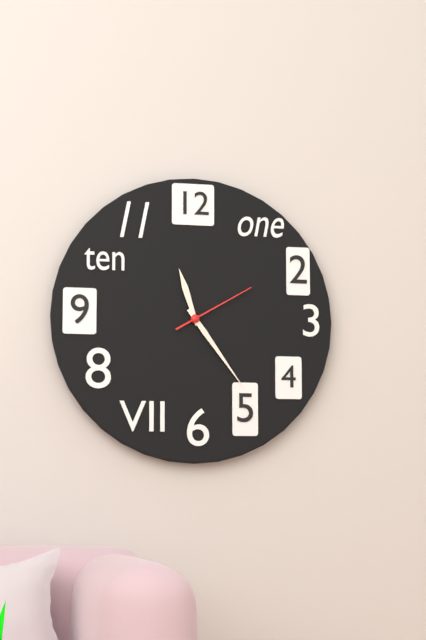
h=11 m=24 s=10
